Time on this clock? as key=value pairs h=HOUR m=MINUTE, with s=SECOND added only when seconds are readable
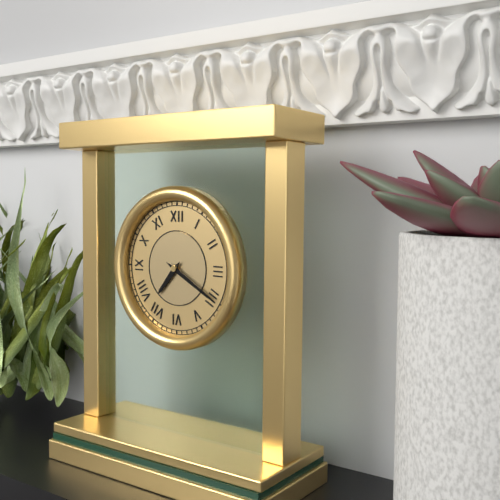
h=7 m=20
